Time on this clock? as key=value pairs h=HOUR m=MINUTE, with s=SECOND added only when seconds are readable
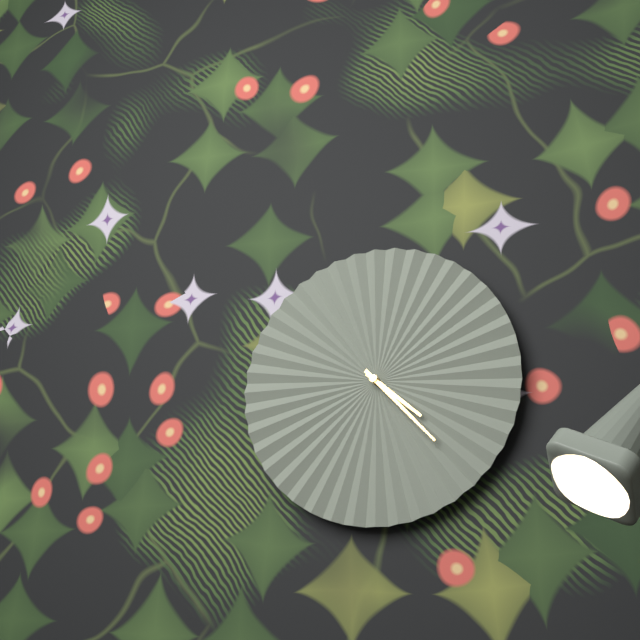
h=4 m=23
